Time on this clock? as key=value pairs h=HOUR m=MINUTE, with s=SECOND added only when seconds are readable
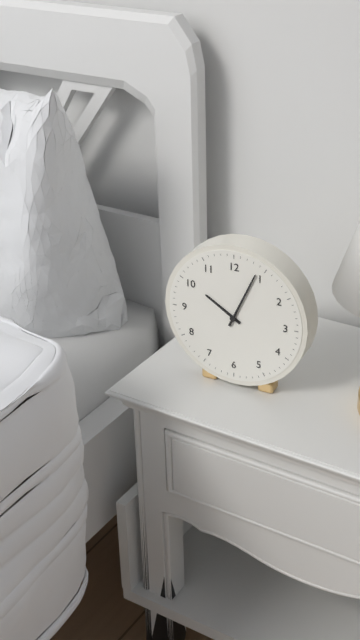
h=10 m=4
